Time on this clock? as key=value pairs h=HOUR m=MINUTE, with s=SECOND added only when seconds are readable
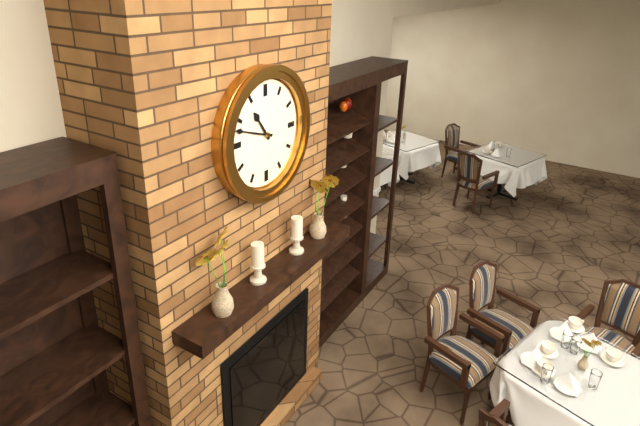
h=10 m=48
